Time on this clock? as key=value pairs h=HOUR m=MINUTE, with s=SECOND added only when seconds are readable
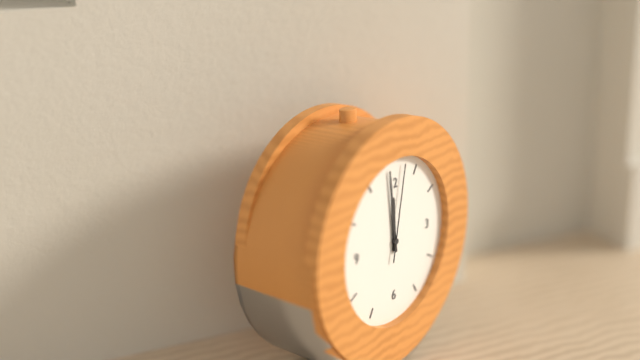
h=11 m=59 s=2
